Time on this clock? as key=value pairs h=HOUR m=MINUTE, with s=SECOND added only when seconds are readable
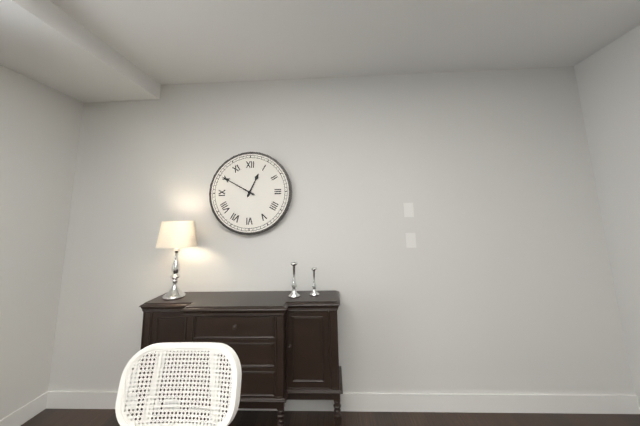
h=12 m=50
